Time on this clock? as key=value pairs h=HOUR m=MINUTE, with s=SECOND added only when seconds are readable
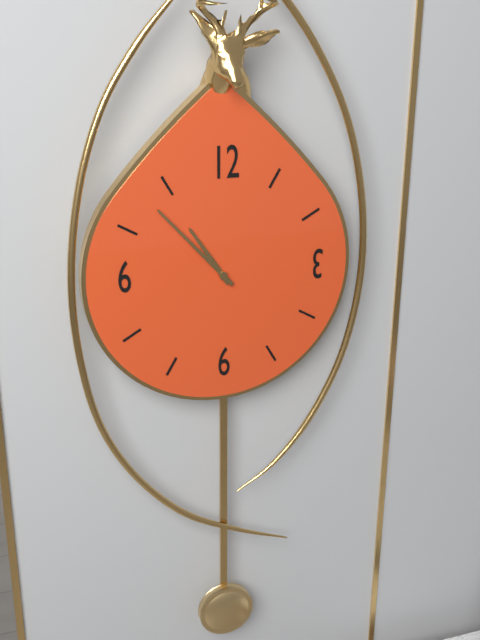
h=10 m=53
